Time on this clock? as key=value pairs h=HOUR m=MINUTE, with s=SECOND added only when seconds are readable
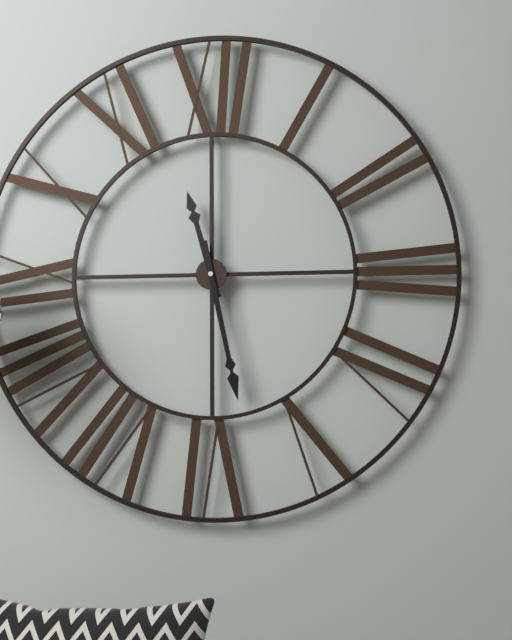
h=11 m=28
